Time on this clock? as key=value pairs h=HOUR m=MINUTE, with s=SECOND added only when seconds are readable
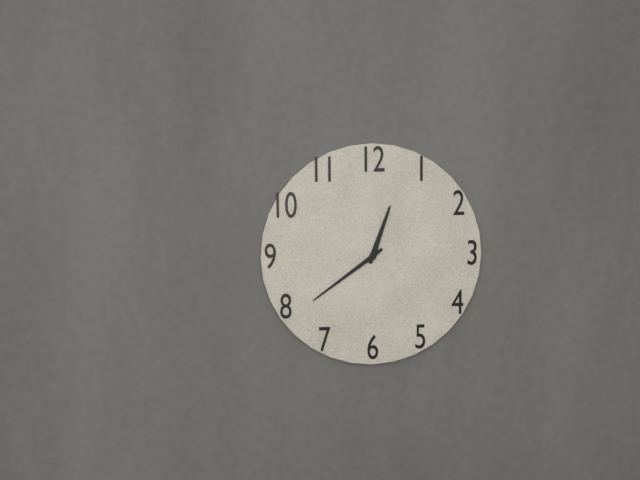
h=12 m=39
